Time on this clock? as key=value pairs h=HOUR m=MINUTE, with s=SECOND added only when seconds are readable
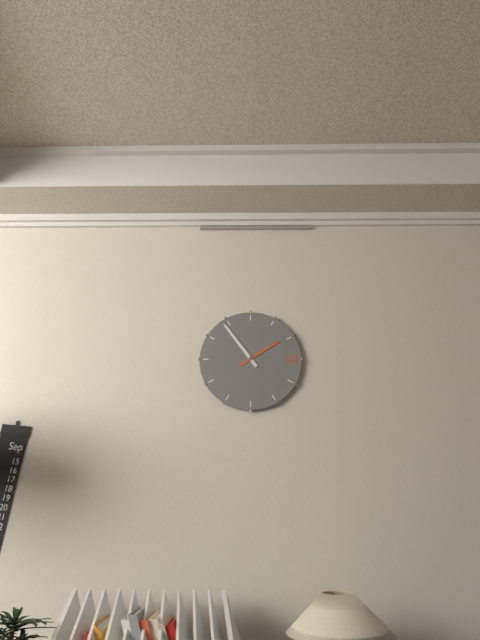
h=1 m=54
